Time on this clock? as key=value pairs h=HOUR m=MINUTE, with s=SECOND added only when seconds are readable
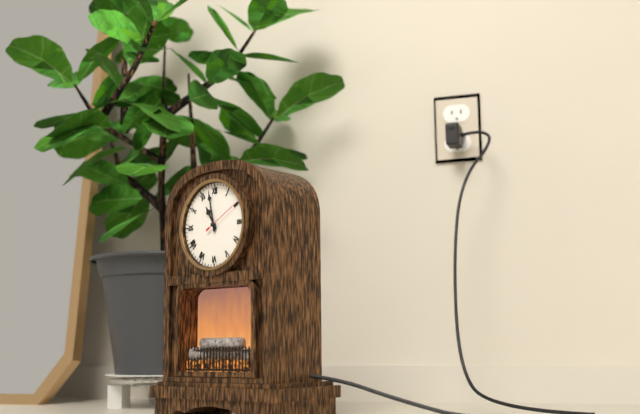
h=10 m=58
